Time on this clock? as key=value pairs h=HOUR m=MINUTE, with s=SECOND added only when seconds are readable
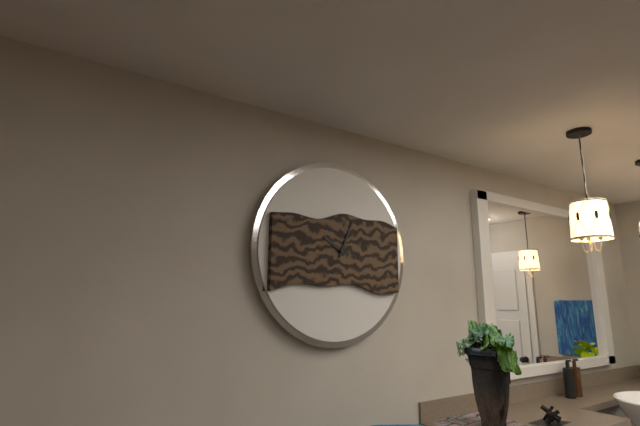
h=10 m=4
